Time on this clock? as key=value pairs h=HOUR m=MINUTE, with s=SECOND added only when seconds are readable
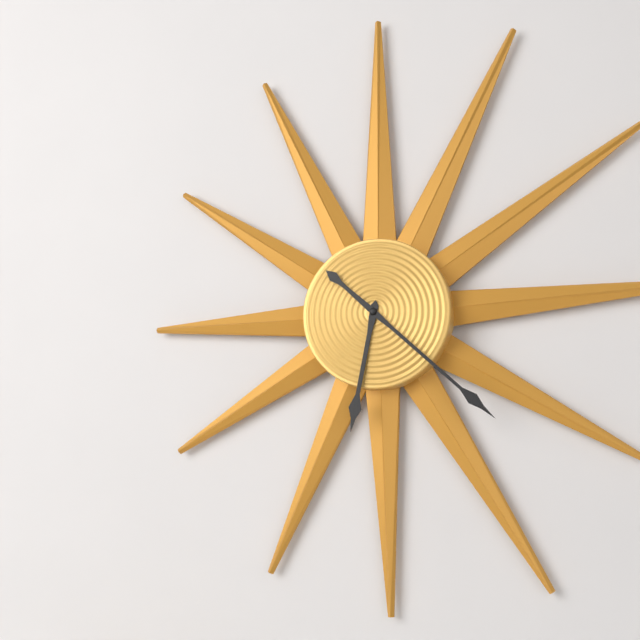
h=6 m=22
